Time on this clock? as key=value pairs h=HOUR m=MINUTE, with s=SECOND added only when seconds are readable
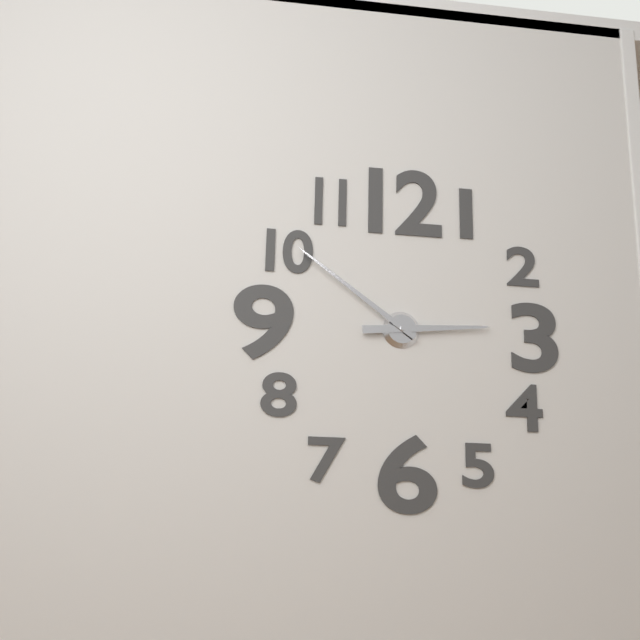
h=2 m=51
